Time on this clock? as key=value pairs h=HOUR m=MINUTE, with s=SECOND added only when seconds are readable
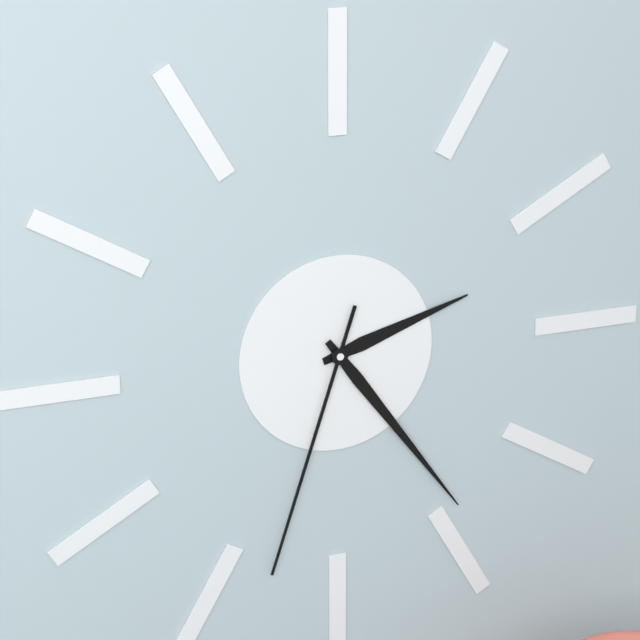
h=2 m=24 s=33
